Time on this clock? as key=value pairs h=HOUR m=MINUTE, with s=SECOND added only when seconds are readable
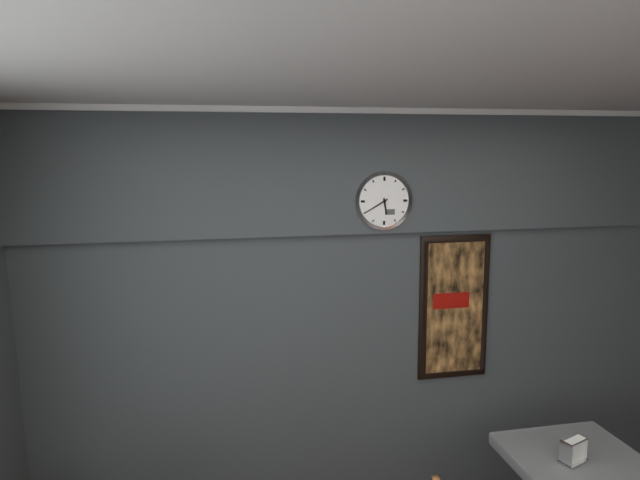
h=5 m=40
